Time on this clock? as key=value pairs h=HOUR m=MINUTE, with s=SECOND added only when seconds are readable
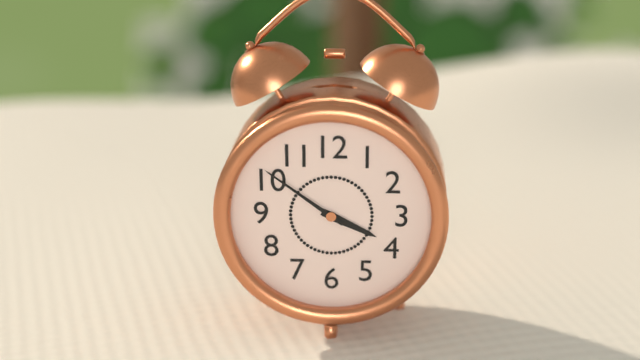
h=3 m=51
